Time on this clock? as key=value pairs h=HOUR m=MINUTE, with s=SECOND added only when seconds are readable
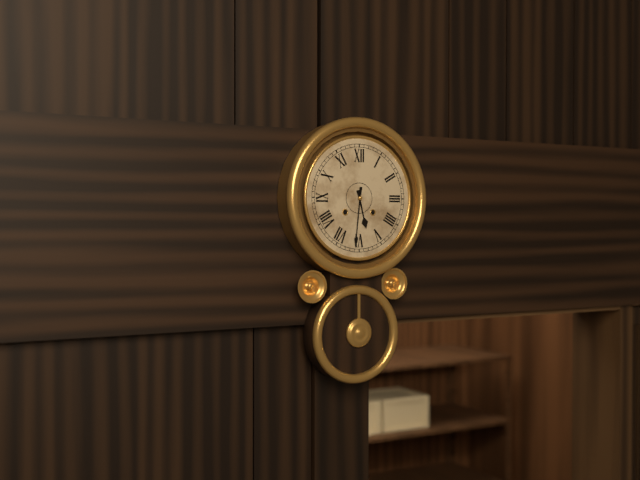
h=5 m=31
